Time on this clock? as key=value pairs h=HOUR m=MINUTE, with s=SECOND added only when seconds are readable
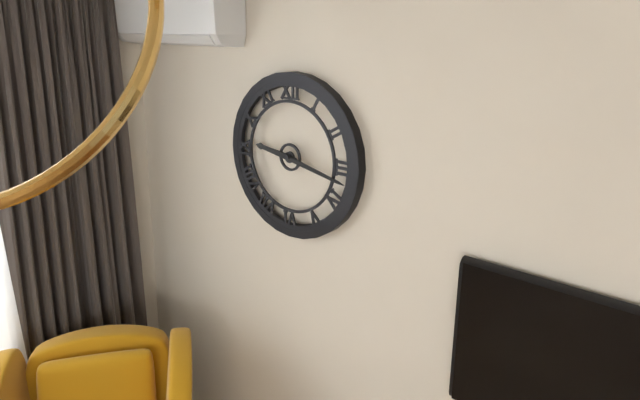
h=9 m=17
